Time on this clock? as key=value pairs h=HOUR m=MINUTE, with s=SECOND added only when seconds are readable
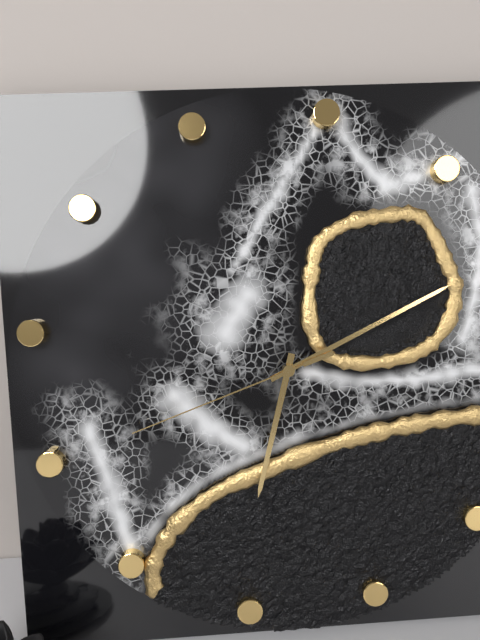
h=6 m=9 s=40
